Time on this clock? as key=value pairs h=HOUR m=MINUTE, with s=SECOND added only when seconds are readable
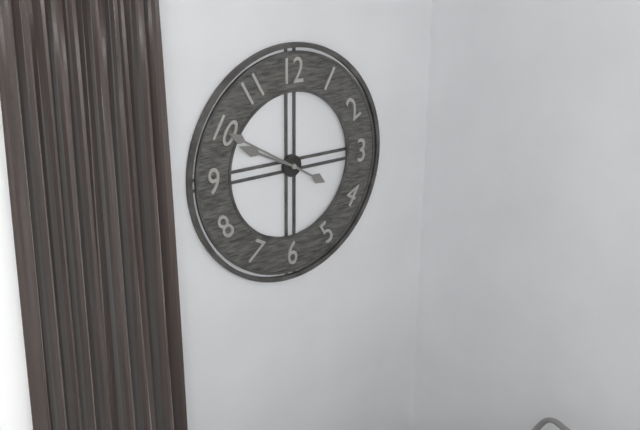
h=9 m=50
